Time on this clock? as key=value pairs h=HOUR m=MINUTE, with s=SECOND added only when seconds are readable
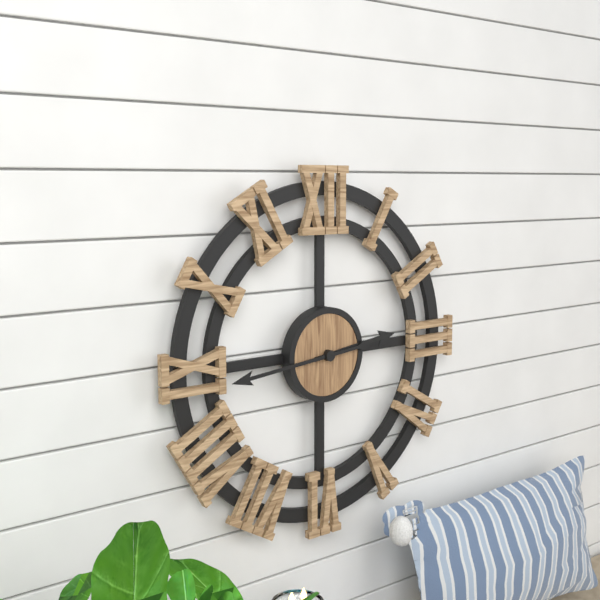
h=2 m=44
